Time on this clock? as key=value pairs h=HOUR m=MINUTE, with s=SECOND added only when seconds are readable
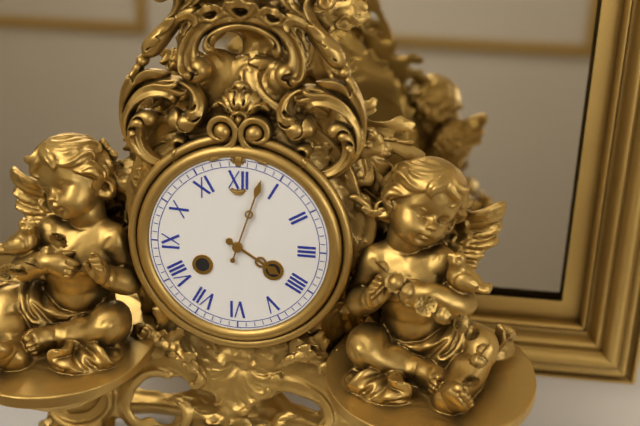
h=4 m=3
